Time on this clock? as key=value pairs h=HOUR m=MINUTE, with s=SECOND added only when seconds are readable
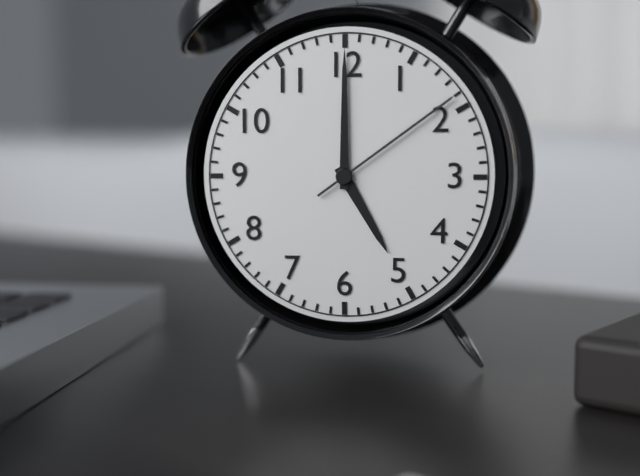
h=5 m=0 s=9
